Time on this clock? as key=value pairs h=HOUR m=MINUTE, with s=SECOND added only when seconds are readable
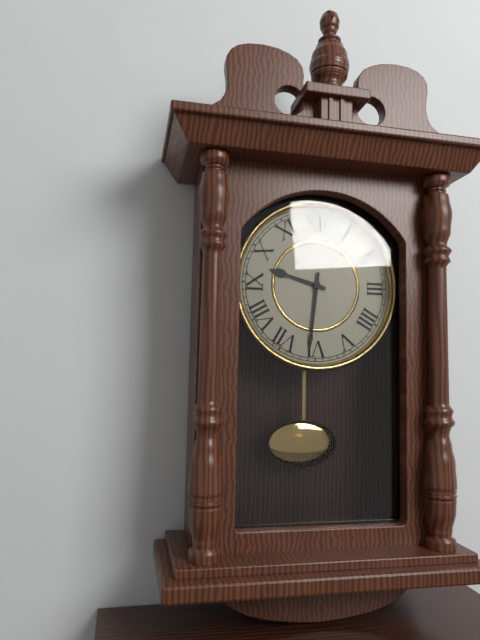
h=9 m=31
